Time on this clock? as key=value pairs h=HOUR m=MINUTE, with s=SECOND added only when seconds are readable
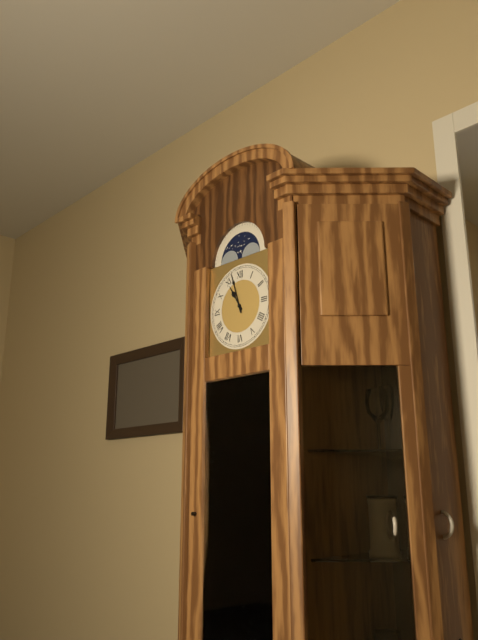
h=10 m=57
